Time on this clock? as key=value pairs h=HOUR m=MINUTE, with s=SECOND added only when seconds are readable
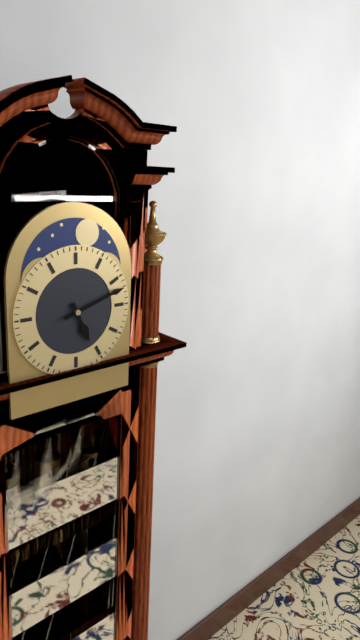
h=5 m=12
